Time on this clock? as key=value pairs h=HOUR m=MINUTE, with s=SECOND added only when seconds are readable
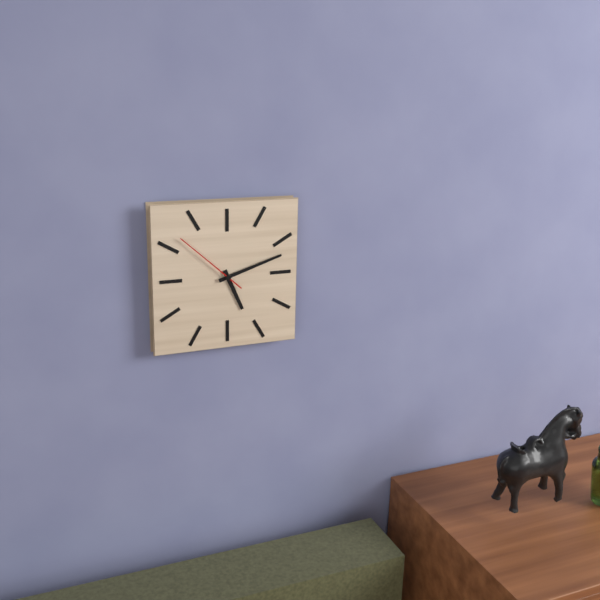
h=5 m=12 s=52
